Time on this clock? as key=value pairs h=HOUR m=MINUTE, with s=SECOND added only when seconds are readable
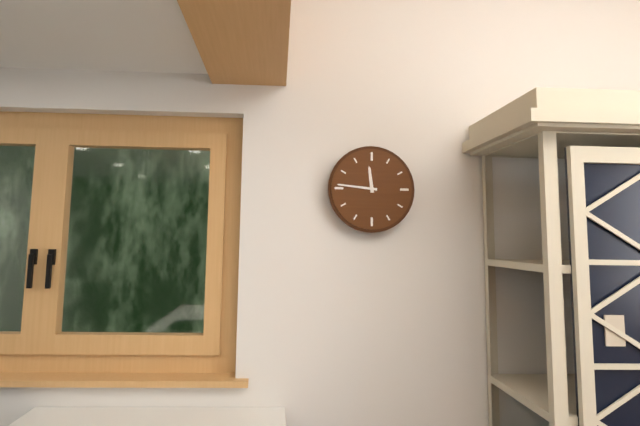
h=11 m=46
